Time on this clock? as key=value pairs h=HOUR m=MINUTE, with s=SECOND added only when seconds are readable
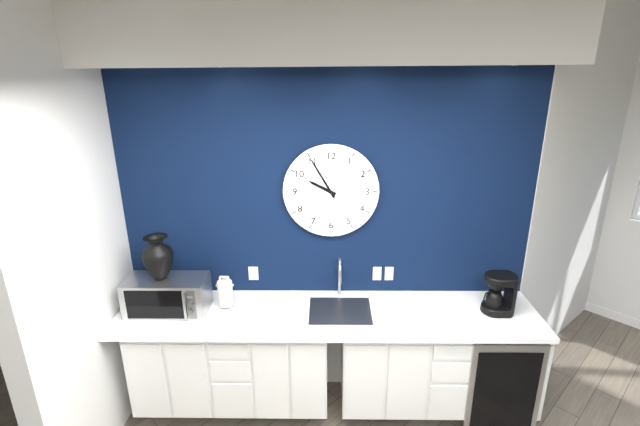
h=9 m=55
